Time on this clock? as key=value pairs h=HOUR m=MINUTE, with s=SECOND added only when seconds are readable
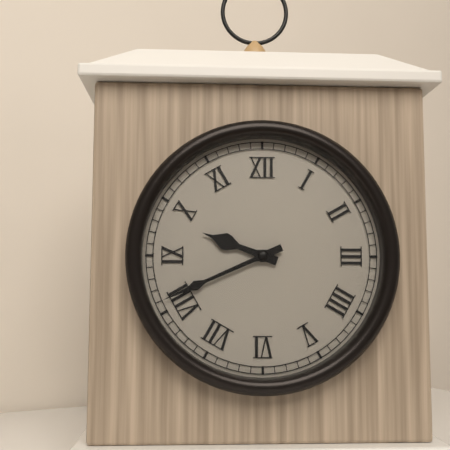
h=9 m=41
